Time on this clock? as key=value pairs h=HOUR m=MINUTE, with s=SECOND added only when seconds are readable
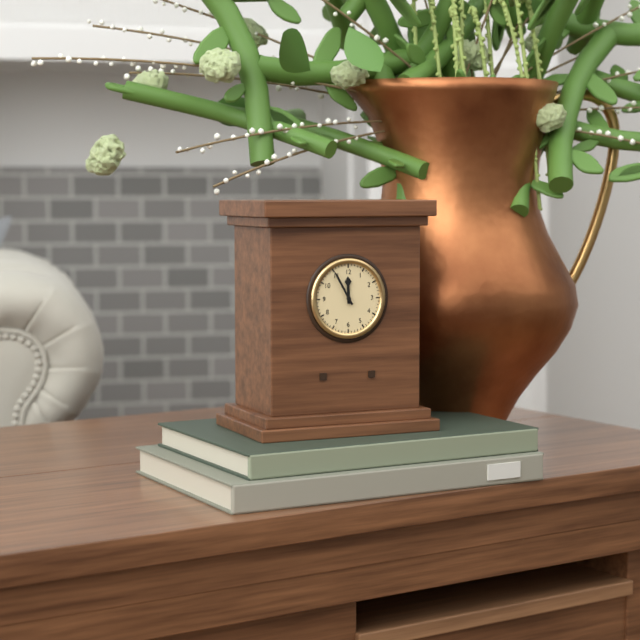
h=11 m=55
